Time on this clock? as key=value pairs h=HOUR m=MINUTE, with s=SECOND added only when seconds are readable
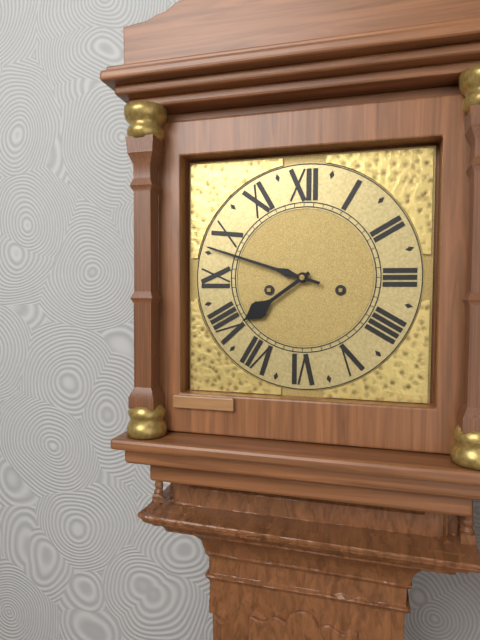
h=7 m=48
